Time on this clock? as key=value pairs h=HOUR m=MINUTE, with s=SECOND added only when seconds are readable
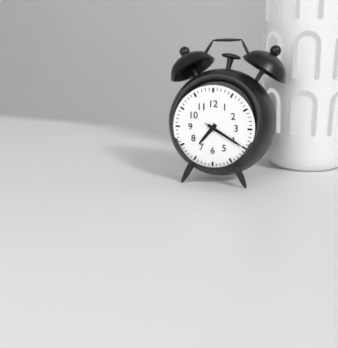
h=7 m=20
